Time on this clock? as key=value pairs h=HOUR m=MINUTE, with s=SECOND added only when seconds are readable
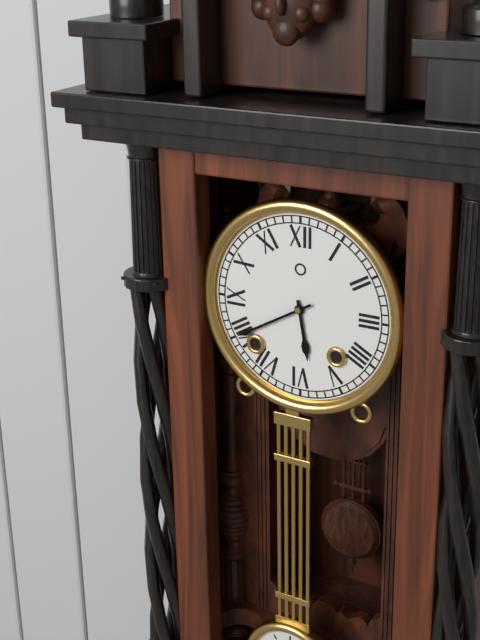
h=5 m=40
